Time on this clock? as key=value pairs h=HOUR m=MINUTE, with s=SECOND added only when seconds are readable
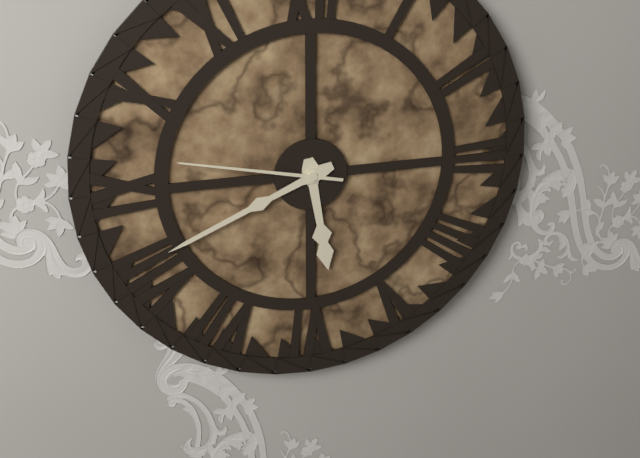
h=5 m=41 s=47
